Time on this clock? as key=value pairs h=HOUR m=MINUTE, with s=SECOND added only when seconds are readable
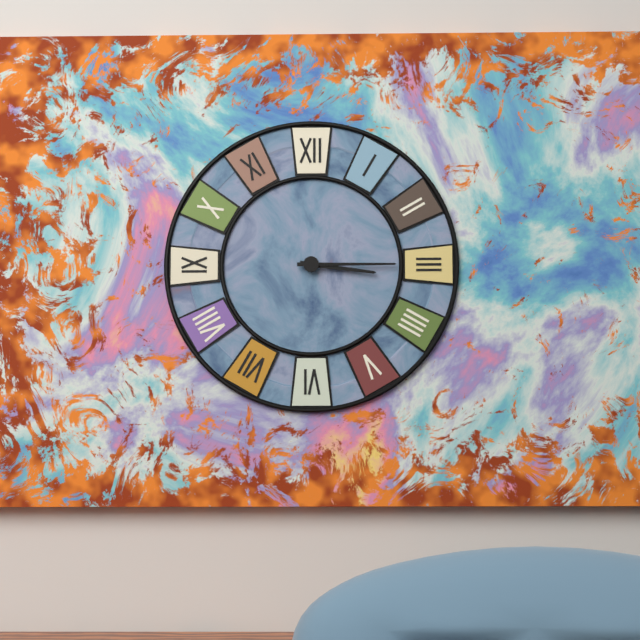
h=3 m=15
